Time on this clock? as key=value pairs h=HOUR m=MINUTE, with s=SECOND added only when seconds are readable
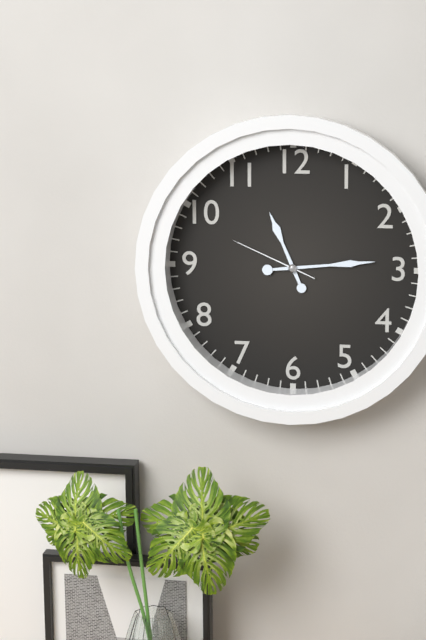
h=11 m=14 s=49
